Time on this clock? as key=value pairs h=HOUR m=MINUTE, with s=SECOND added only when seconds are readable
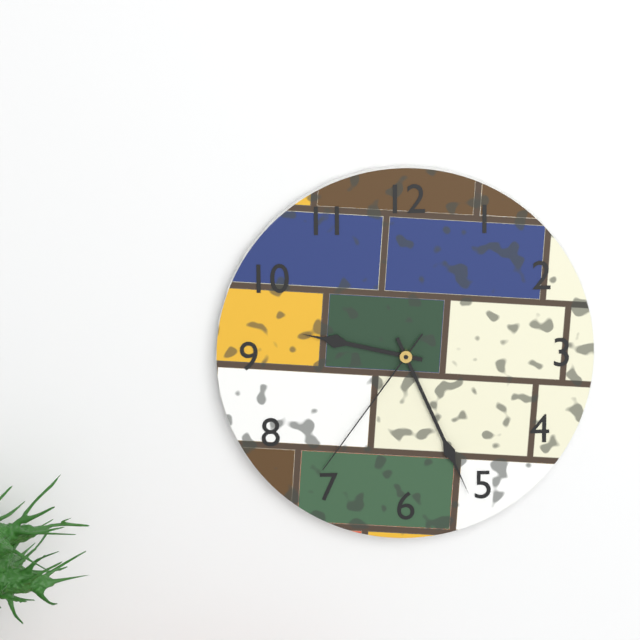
h=9 m=26 s=36
